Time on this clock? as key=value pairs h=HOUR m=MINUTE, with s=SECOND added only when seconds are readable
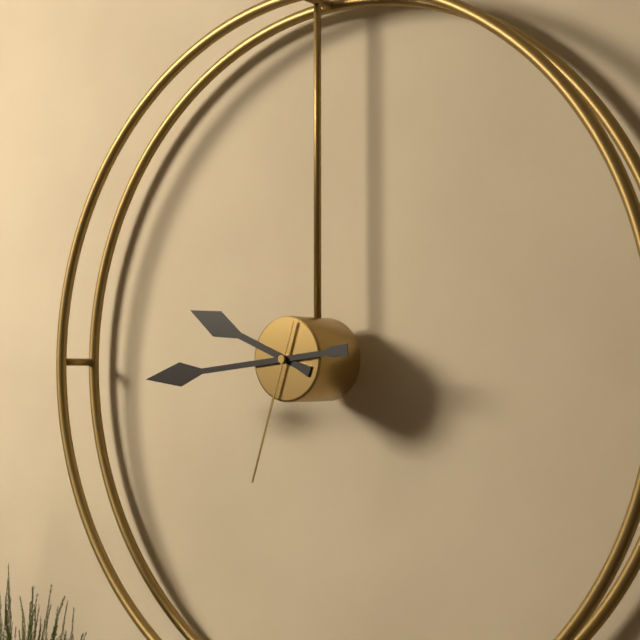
h=9 m=44 s=33
